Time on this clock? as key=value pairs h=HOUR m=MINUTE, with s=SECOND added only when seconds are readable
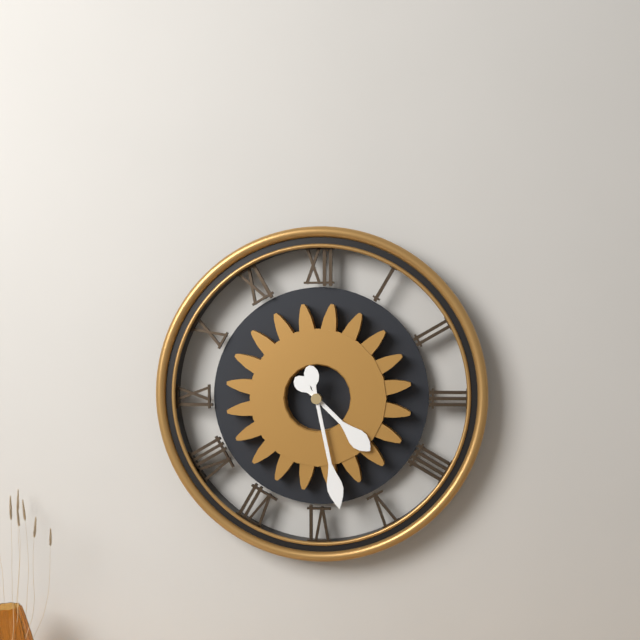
h=4 m=28
